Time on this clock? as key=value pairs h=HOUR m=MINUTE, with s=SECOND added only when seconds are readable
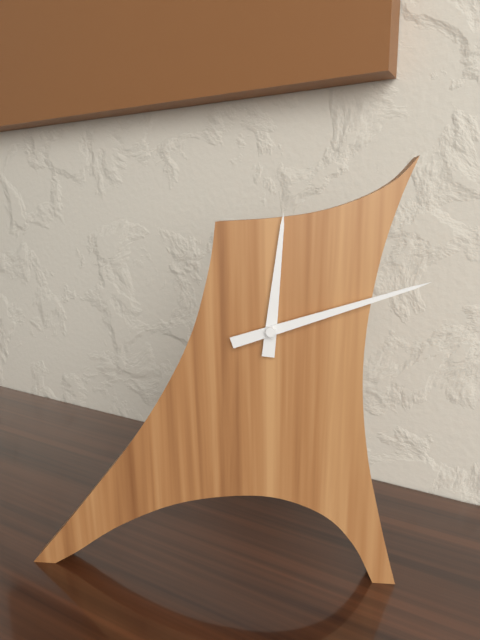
h=12 m=12
